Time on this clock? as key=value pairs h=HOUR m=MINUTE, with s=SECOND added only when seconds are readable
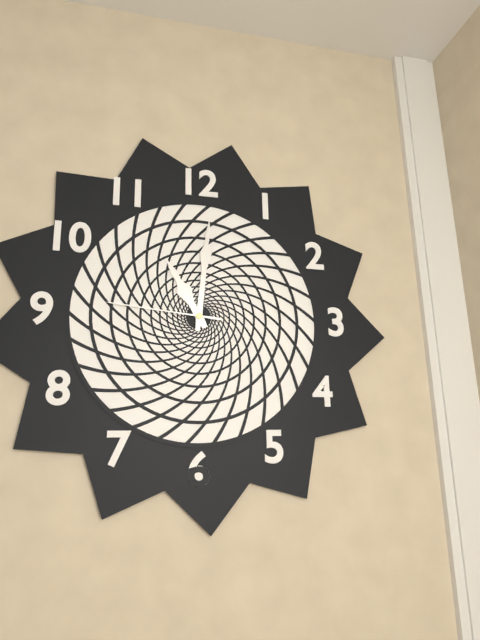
h=11 m=1 s=46
